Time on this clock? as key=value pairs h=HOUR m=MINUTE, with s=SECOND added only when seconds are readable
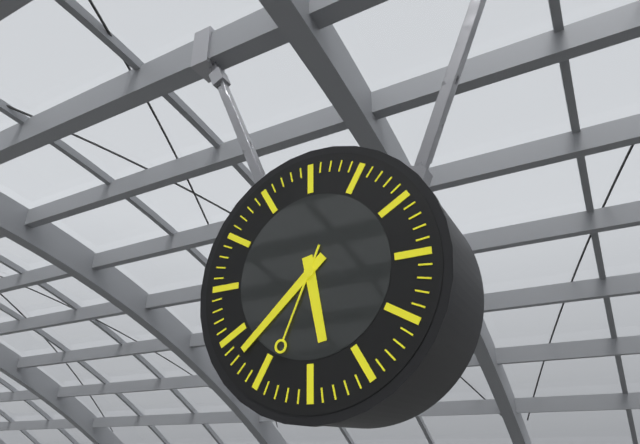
h=5 m=38 s=34
